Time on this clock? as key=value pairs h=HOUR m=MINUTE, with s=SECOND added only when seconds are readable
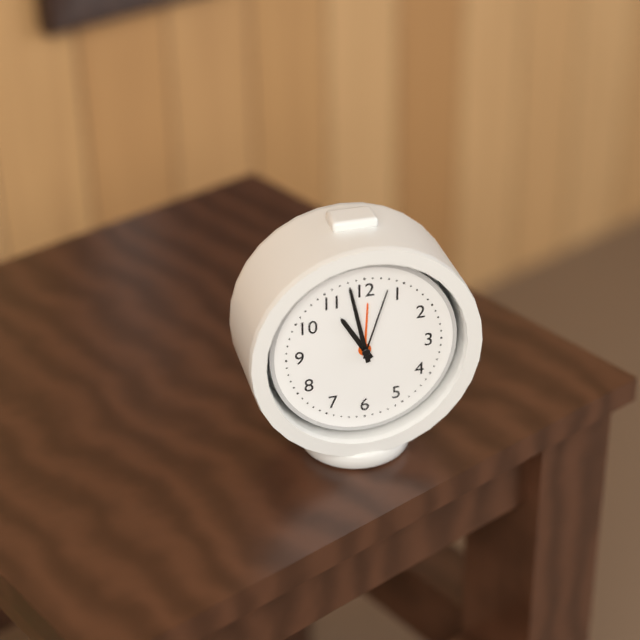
h=10 m=58 s=3
